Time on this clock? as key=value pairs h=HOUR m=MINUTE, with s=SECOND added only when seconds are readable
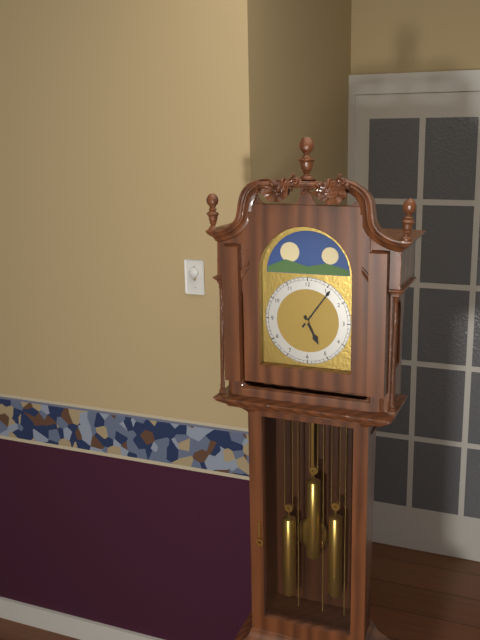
h=5 m=6
